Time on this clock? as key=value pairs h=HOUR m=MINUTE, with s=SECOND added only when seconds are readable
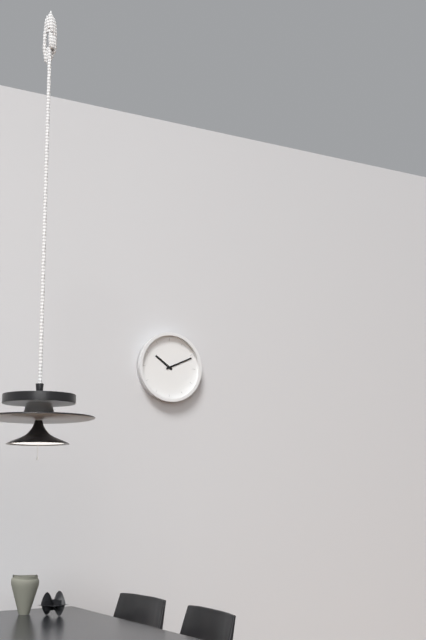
h=10 m=11
